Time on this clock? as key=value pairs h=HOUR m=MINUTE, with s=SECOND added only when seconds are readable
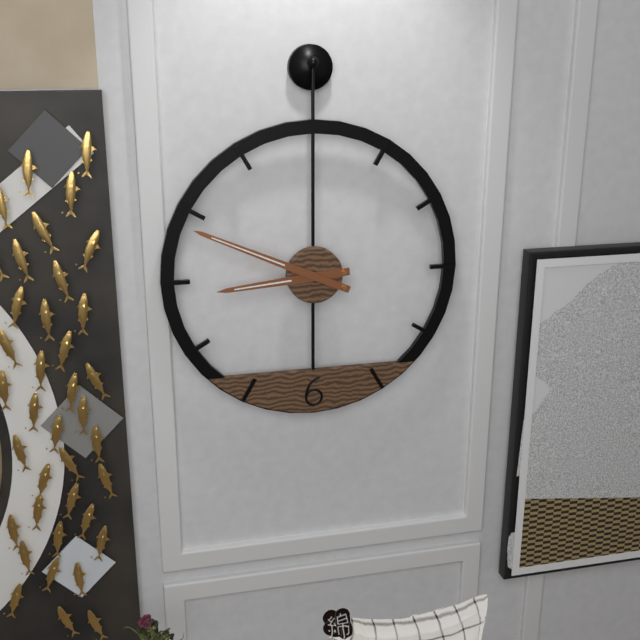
h=8 m=49
